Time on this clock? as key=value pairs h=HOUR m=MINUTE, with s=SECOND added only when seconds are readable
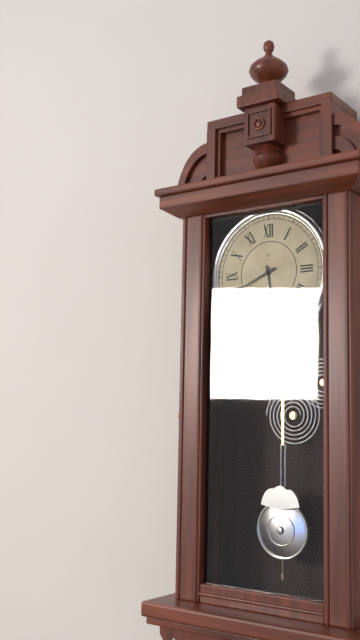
h=5 m=41
